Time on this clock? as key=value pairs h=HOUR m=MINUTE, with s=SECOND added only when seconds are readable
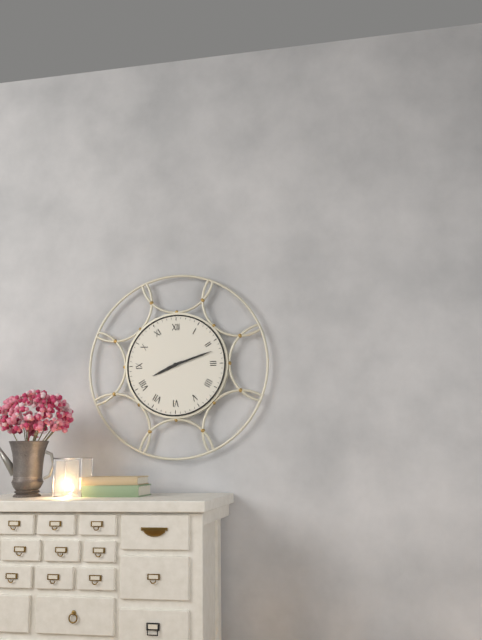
h=8 m=12
